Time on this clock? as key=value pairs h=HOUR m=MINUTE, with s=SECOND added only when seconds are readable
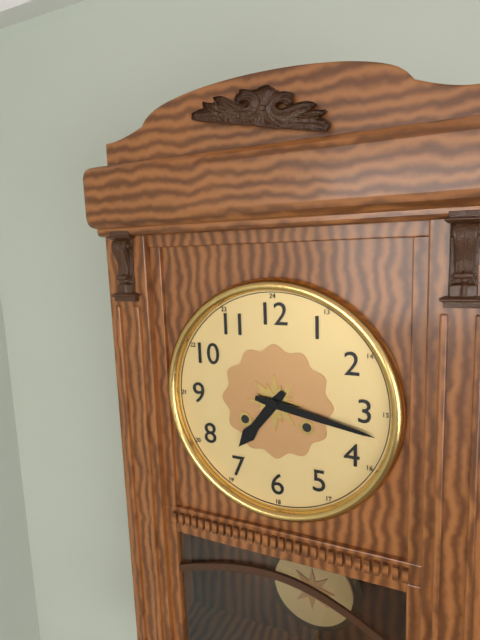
h=7 m=17
